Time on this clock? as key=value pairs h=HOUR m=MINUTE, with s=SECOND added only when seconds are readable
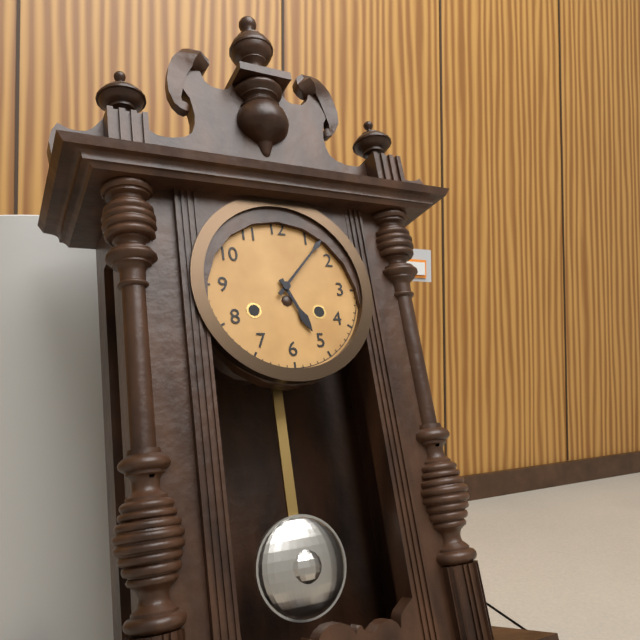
h=5 m=7
